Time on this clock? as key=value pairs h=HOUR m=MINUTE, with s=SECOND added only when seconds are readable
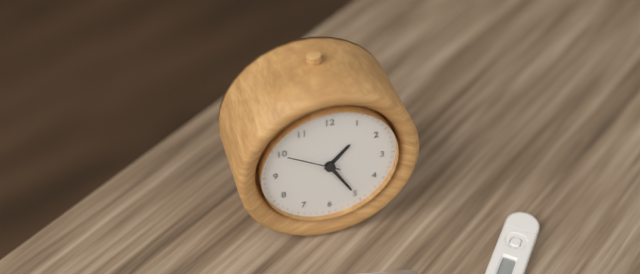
h=1 m=25 s=50
